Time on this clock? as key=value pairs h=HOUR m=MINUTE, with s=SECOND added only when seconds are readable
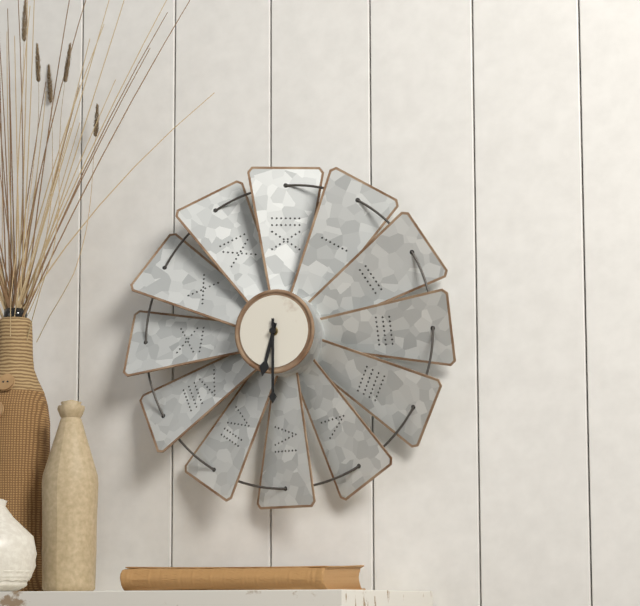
h=6 m=30
